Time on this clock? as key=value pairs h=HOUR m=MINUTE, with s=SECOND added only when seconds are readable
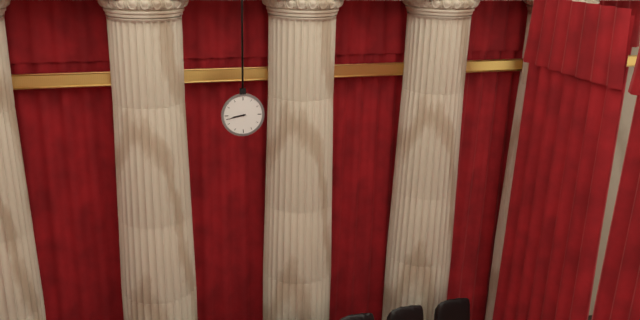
h=8 m=43
